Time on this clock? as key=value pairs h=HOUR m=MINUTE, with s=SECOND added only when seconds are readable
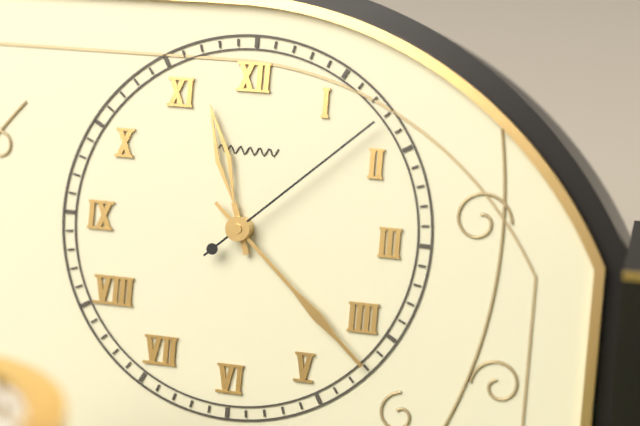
h=11 m=22 s=8
